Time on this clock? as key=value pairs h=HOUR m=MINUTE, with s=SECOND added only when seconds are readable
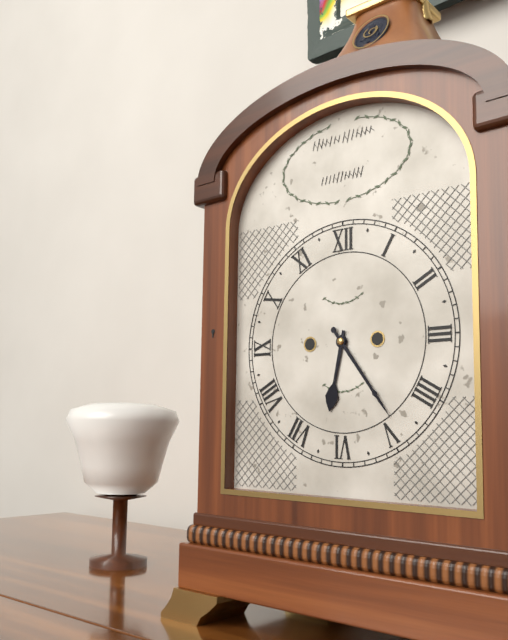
h=6 m=24
